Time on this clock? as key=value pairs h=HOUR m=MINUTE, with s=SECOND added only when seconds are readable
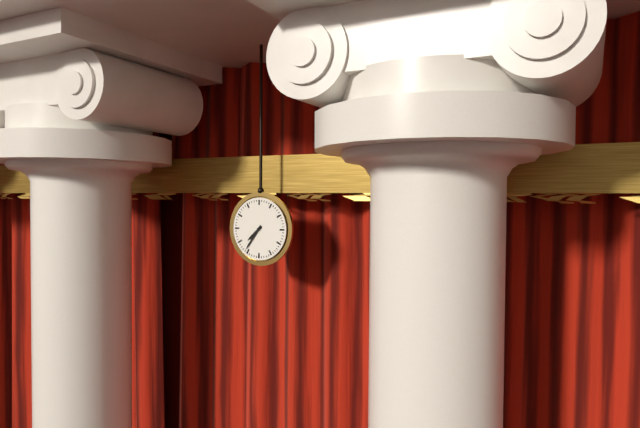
h=7 m=36
